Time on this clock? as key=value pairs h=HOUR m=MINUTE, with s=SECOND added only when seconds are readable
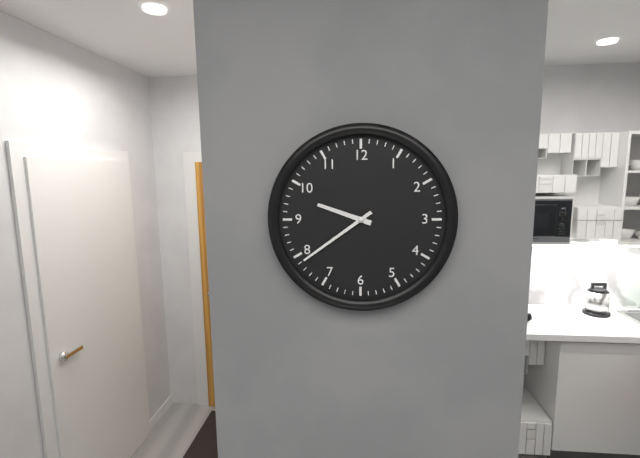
h=9 m=39
